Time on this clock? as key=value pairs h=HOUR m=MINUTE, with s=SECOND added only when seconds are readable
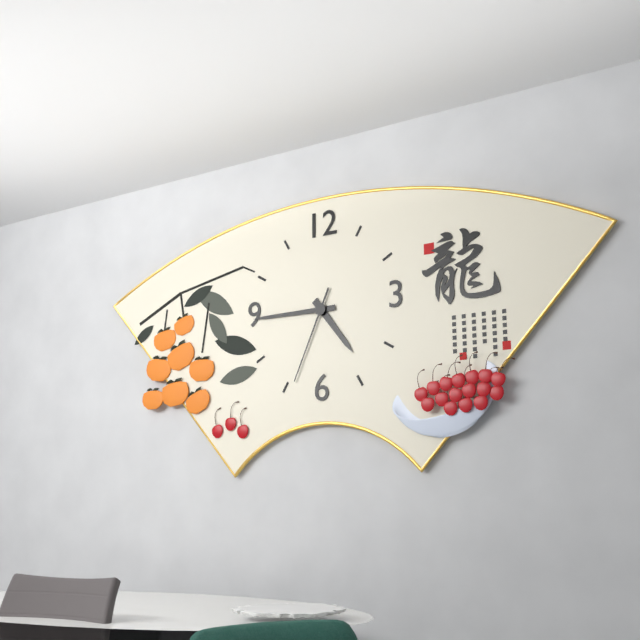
h=4 m=45 s=34
